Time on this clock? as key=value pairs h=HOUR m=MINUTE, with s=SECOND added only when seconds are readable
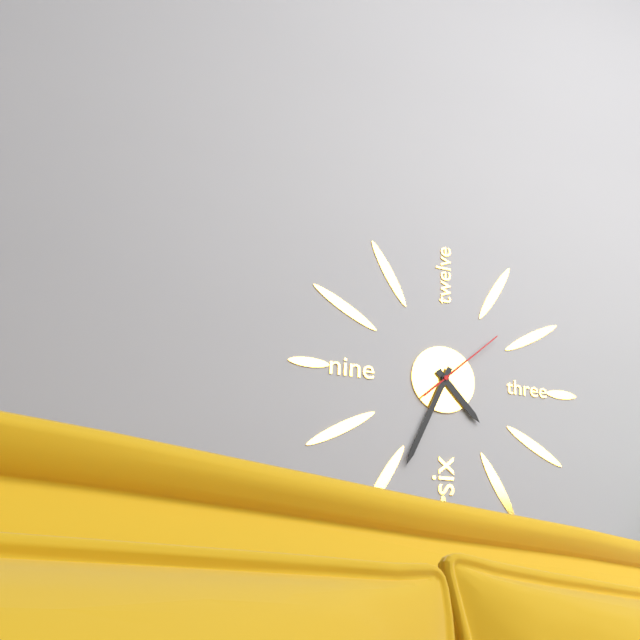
h=4 m=34 s=8
